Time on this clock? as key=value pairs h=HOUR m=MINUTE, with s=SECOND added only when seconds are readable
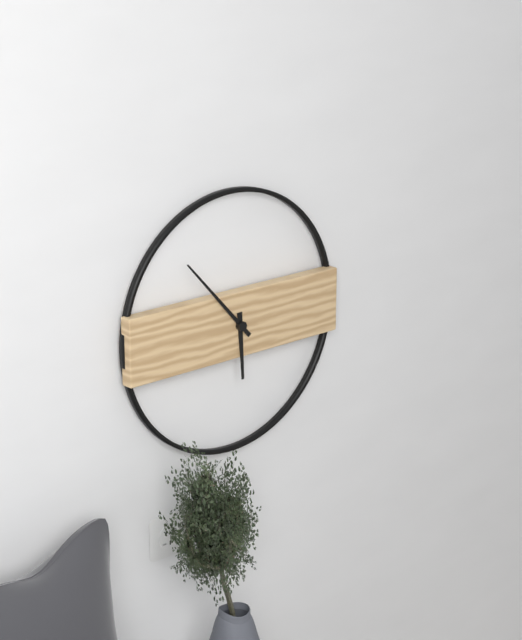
h=5 m=53
